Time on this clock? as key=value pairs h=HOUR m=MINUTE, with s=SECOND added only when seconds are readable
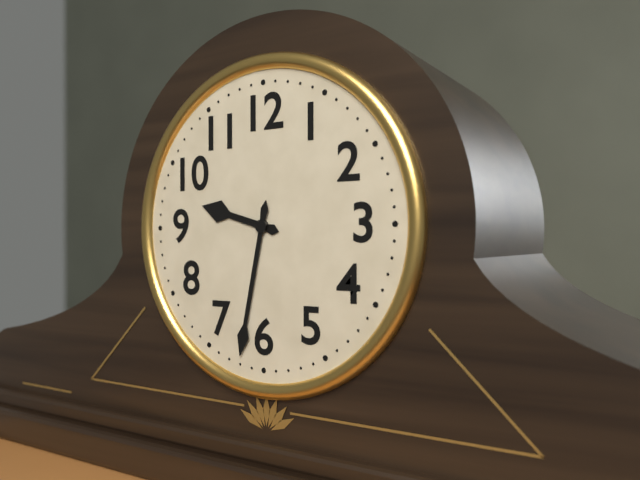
h=9 m=32
